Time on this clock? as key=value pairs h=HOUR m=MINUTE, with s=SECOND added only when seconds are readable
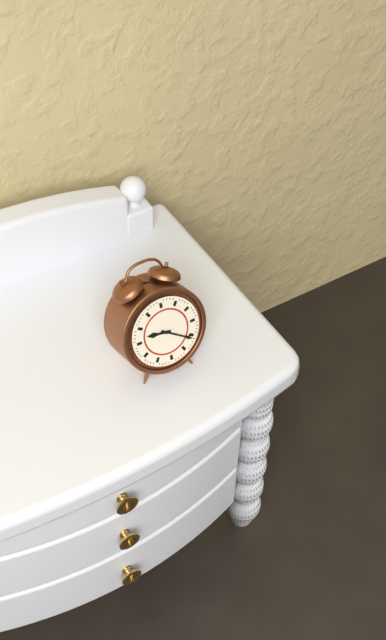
h=9 m=21
